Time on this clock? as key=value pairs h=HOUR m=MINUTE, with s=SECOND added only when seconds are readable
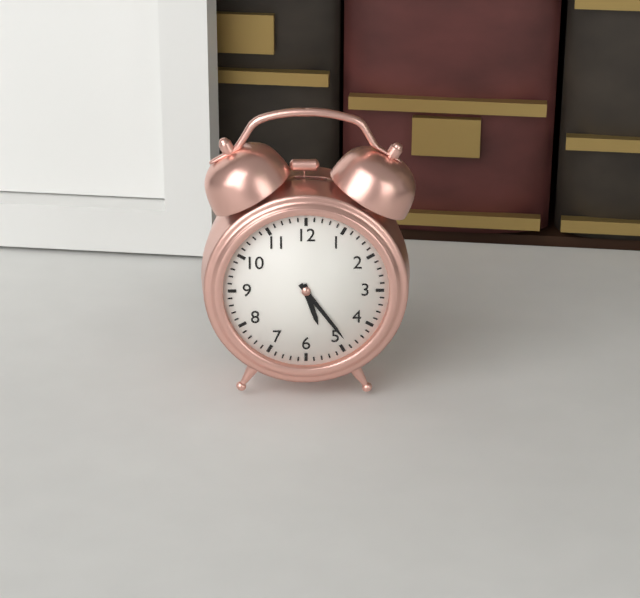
h=5 m=24
